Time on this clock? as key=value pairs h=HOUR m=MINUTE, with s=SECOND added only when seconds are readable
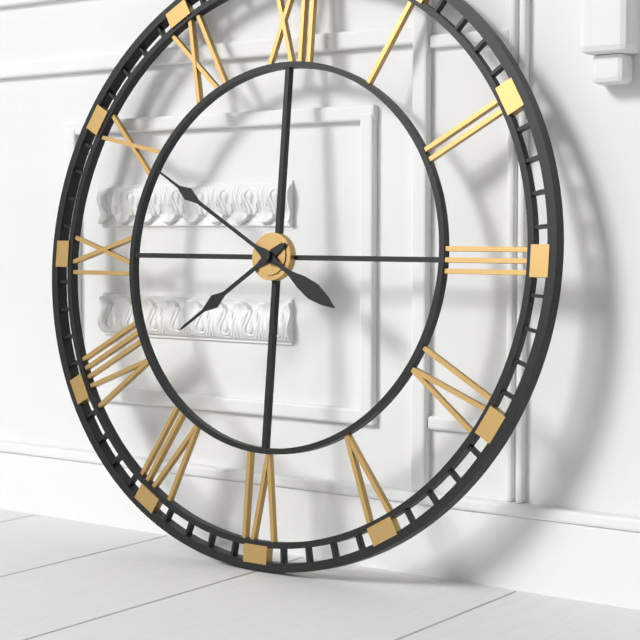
h=7 m=50
